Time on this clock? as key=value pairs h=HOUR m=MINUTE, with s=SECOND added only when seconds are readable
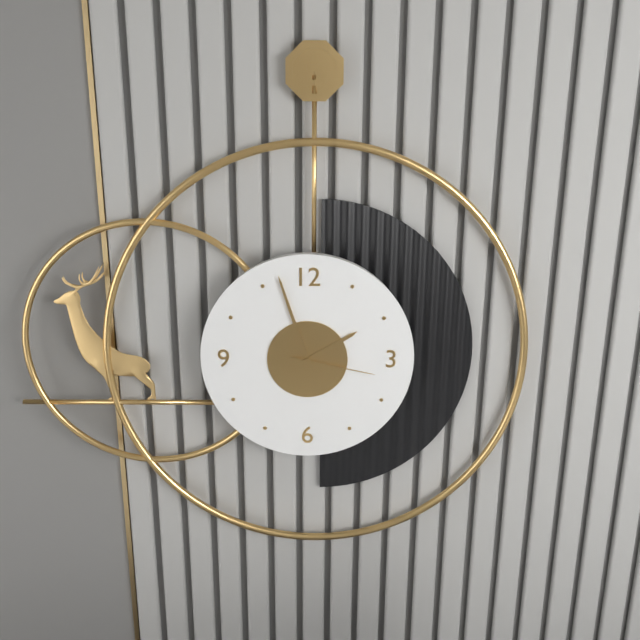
h=1 m=57 s=17
